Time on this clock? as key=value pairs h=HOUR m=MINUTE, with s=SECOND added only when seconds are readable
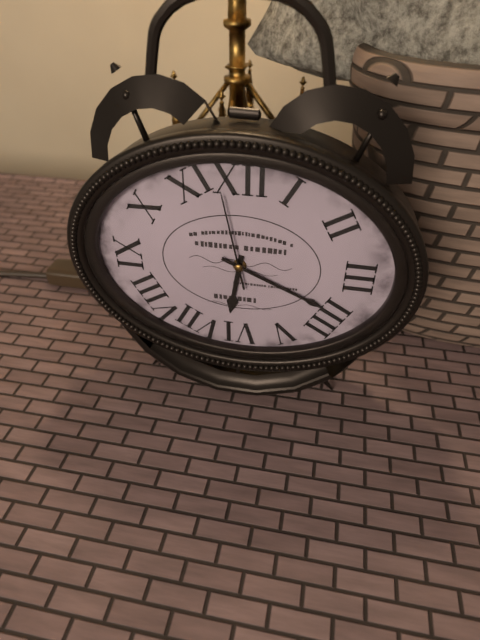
h=6 m=19 s=58
